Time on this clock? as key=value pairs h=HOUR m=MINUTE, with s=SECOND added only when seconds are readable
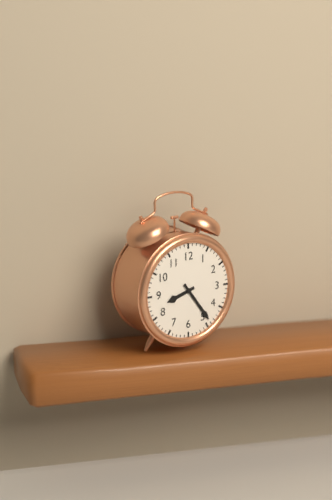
h=8 m=24
